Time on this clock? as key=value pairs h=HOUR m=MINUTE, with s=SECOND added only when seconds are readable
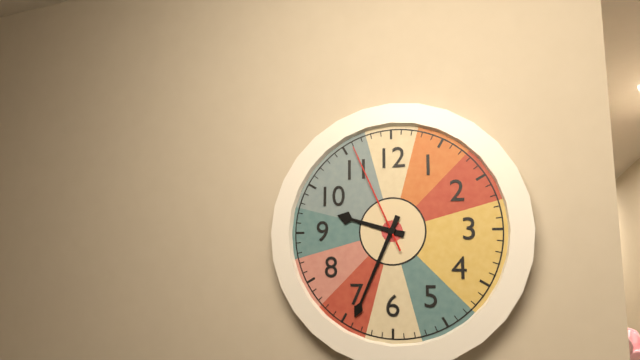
h=9 m=34 s=56
